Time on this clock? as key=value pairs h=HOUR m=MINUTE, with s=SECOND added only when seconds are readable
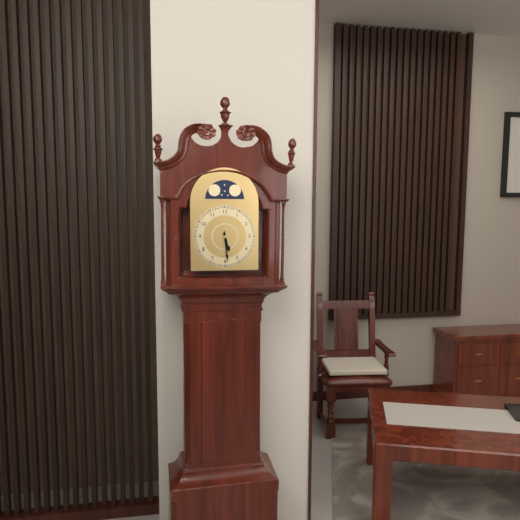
h=5 m=29
